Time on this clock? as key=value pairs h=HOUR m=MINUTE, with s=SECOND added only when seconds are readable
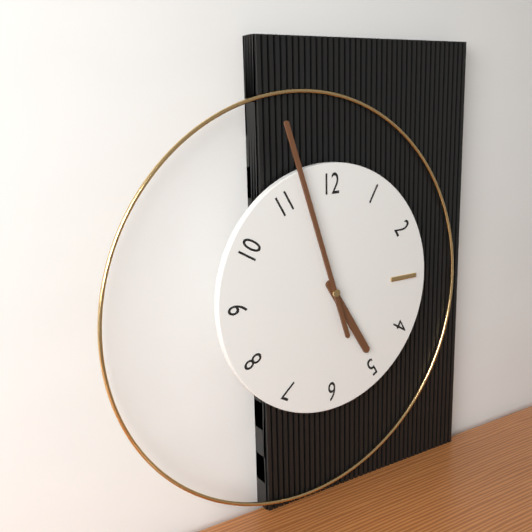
h=4 m=57
